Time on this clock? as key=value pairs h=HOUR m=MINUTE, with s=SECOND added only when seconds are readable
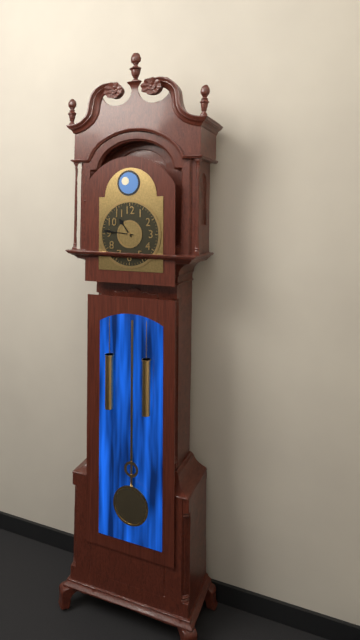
h=10 m=46
